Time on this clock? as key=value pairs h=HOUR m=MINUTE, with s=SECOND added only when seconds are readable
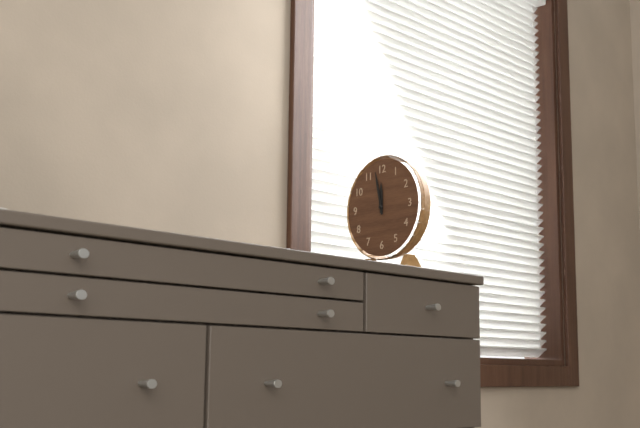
h=11 m=58
